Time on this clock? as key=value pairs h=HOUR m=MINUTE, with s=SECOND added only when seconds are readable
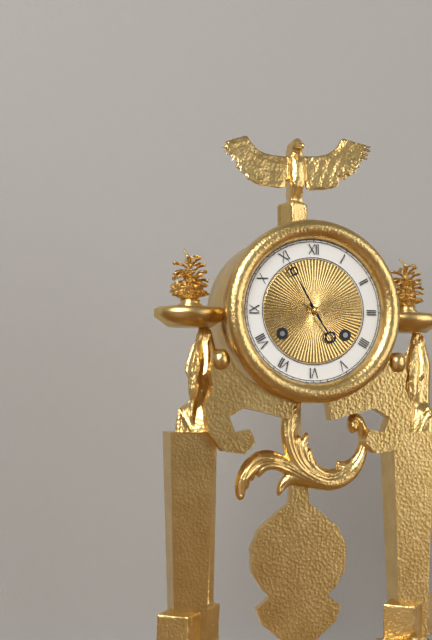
h=4 m=55
